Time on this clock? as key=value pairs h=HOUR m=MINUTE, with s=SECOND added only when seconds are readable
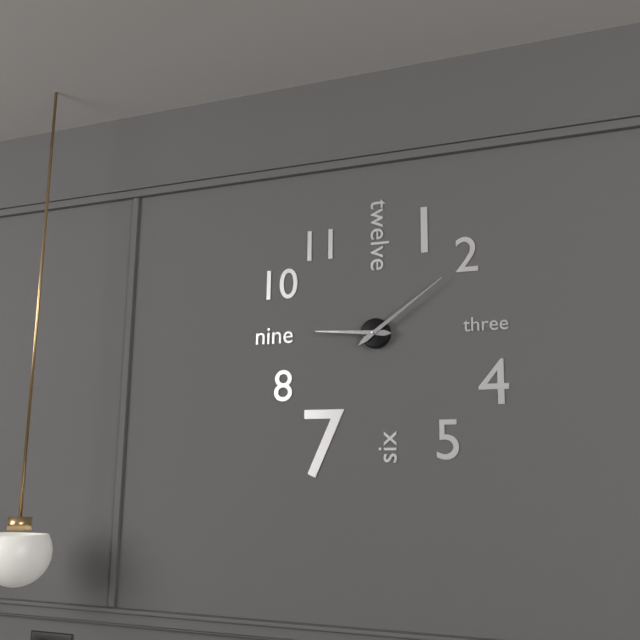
h=9 m=9
